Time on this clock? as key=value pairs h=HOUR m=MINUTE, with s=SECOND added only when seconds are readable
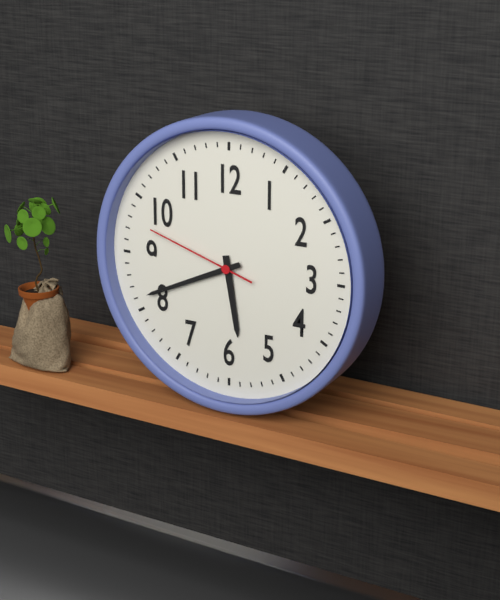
h=5 m=41 s=48
